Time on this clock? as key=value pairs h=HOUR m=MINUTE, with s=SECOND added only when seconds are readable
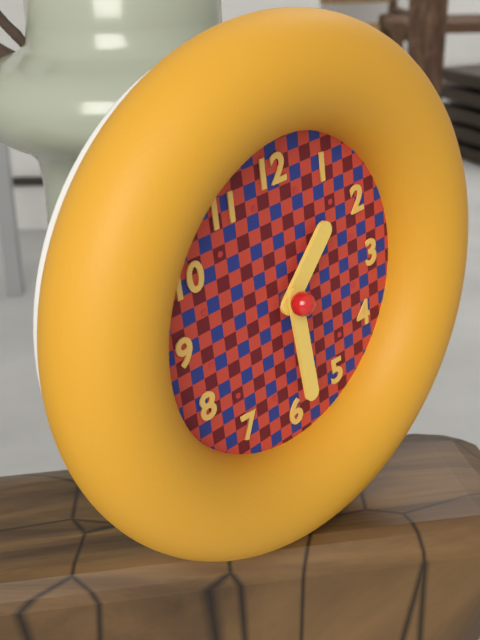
h=1 m=29
